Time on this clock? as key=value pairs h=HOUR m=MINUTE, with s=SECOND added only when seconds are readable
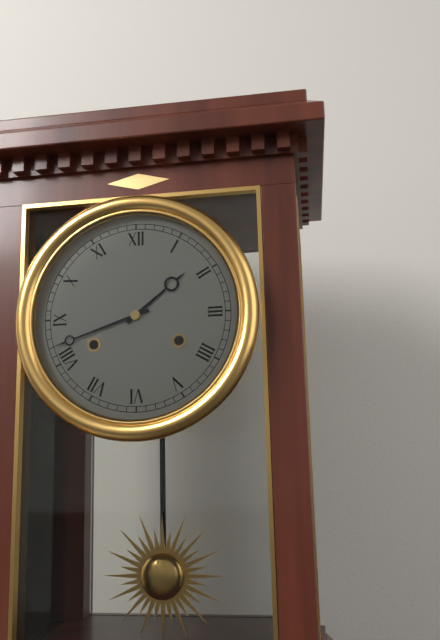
h=1 m=42
